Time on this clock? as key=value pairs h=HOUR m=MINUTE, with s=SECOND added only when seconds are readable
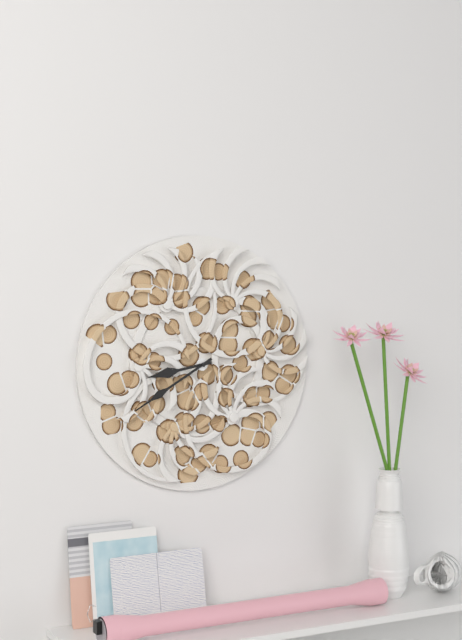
h=8 m=40
